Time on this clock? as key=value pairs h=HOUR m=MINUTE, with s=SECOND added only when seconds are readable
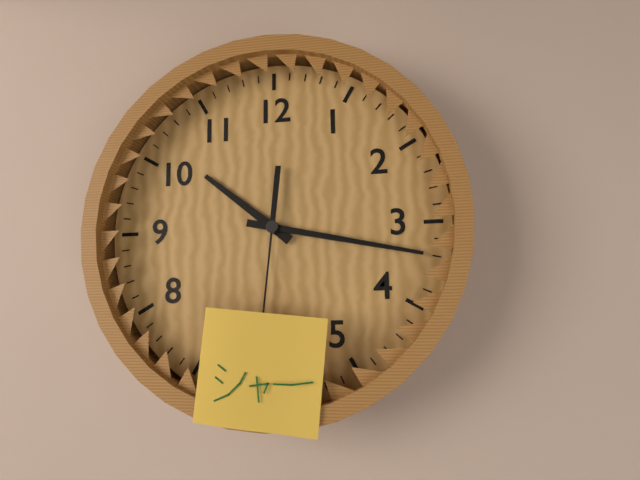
h=10 m=17
